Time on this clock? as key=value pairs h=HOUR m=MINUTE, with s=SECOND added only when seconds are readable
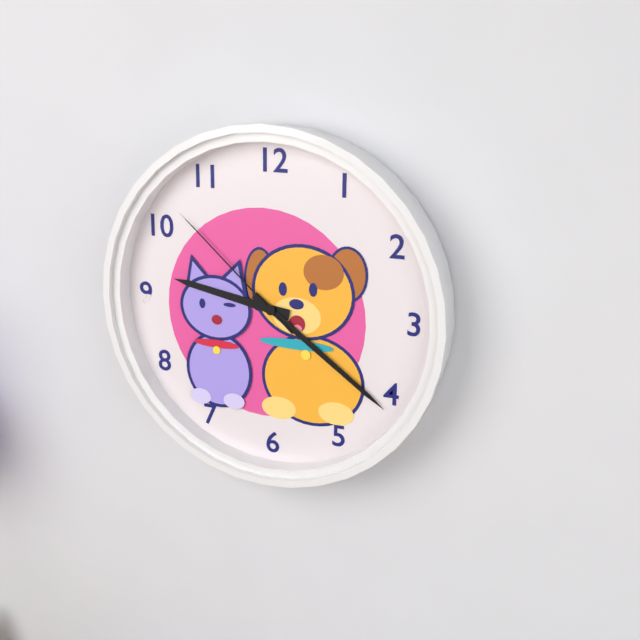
h=9 m=21 s=52
